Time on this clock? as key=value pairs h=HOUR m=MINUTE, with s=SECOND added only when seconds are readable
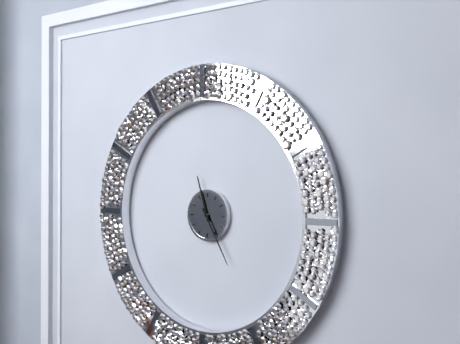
h=11 m=25
